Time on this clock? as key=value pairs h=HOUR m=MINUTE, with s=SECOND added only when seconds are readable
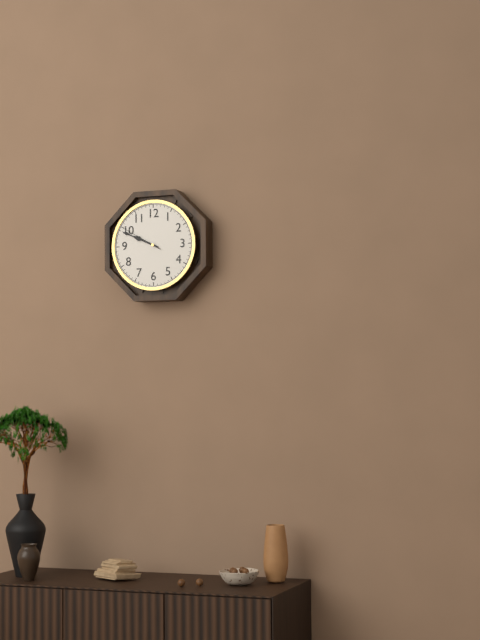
h=9 m=49
